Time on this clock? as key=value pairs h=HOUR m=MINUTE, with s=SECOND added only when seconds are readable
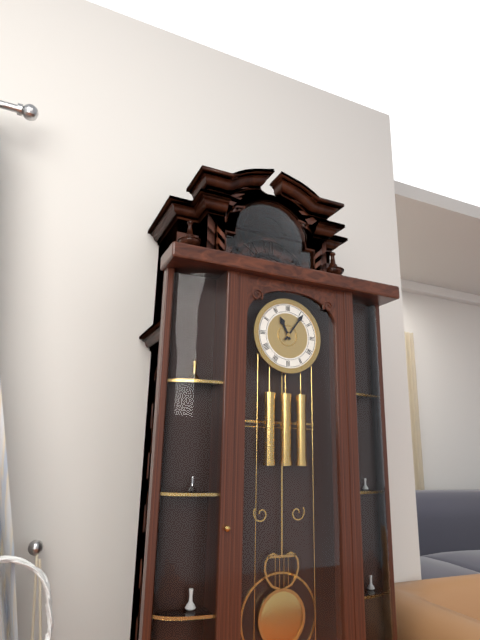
h=11 m=6
